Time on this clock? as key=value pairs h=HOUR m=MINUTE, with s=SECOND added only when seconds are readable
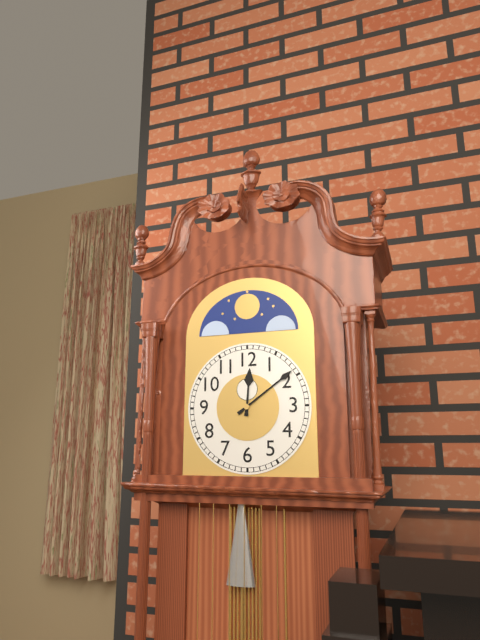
h=12 m=9
